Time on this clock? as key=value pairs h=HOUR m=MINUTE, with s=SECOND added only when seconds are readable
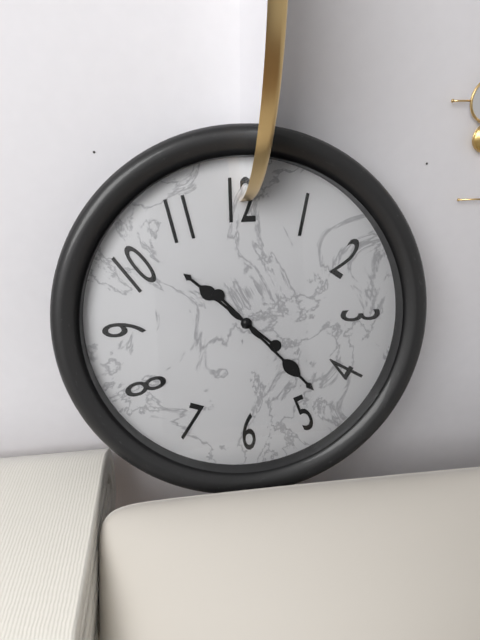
h=10 m=23
